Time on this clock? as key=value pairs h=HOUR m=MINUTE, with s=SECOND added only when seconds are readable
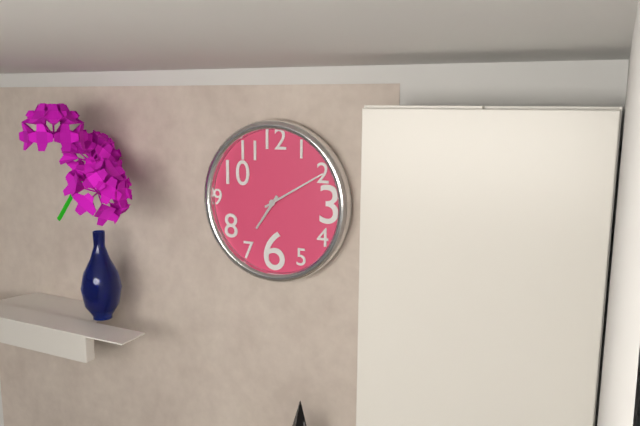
h=7 m=10
